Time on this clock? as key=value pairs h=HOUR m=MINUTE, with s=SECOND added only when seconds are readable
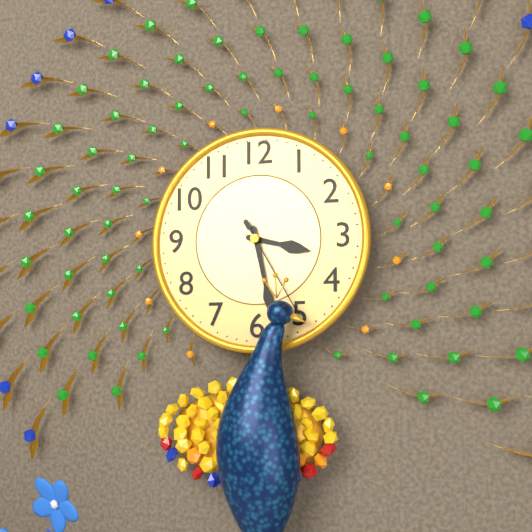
h=3 m=28 s=25
